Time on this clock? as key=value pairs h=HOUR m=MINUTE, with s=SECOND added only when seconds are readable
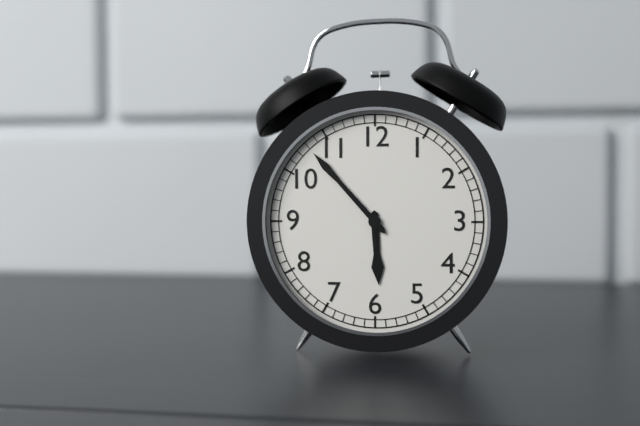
h=5 m=53
